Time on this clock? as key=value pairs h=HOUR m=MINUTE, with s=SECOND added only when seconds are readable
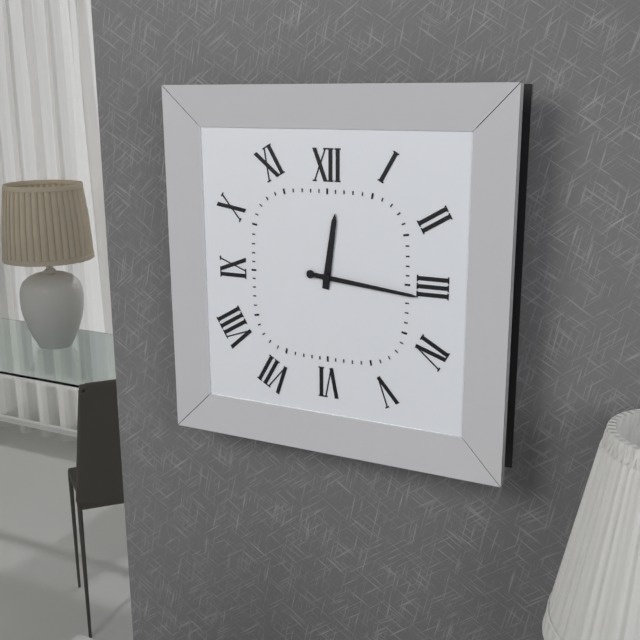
h=12 m=16
